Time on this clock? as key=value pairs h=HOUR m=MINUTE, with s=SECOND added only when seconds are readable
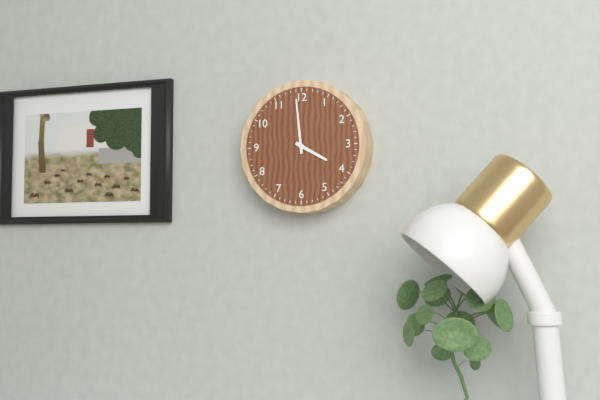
h=3 m=59
